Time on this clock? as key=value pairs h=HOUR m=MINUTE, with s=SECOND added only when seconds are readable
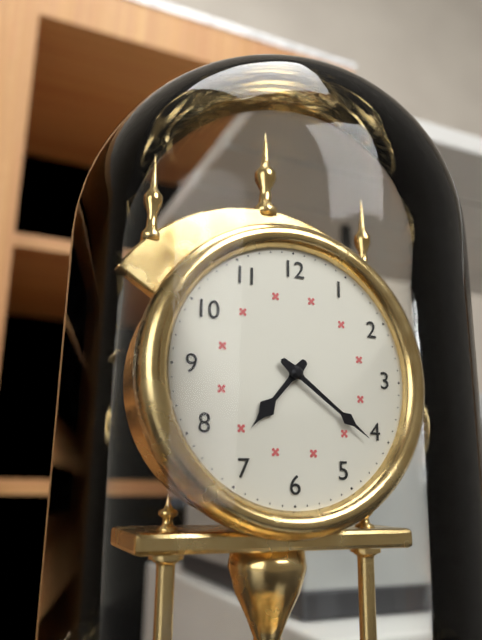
h=7 m=21
